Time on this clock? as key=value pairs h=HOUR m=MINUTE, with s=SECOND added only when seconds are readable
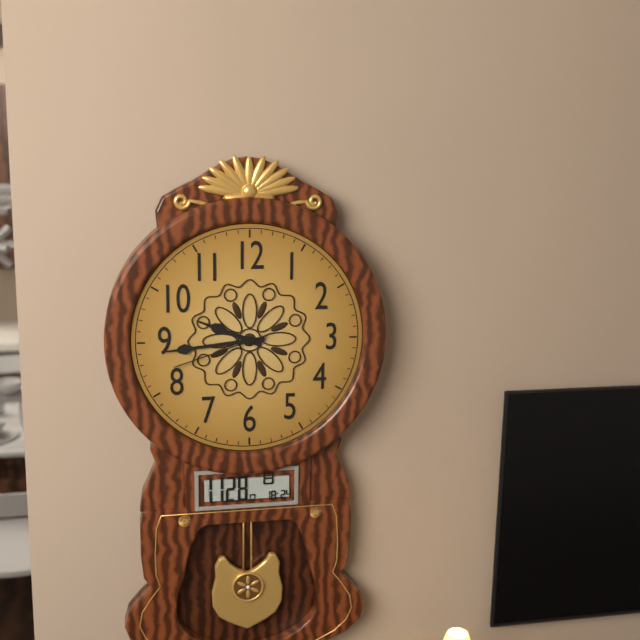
h=9 m=44 s=42
